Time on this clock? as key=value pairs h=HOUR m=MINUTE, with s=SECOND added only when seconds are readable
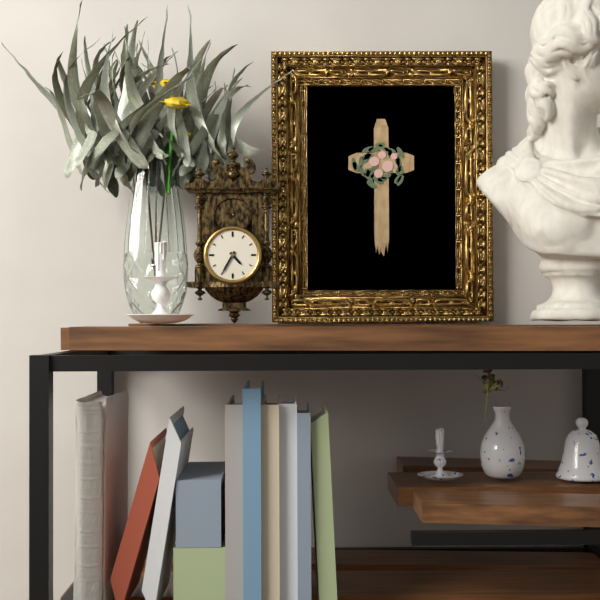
h=4 m=35
